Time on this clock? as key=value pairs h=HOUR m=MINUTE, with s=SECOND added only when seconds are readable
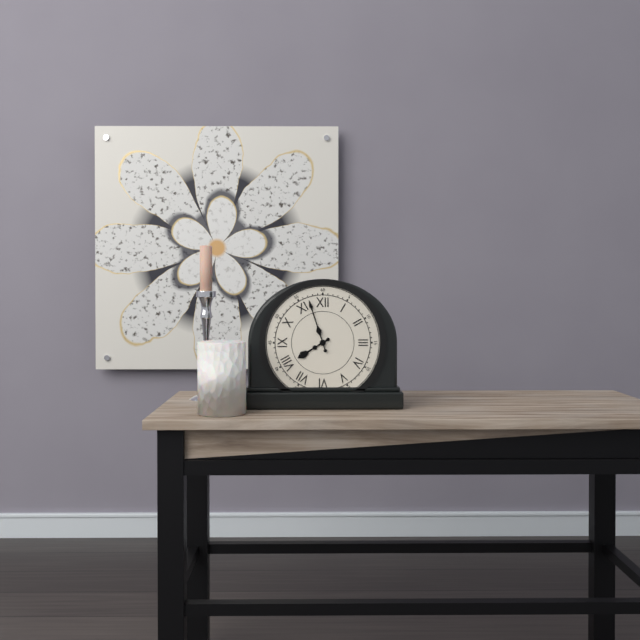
h=7 m=57
